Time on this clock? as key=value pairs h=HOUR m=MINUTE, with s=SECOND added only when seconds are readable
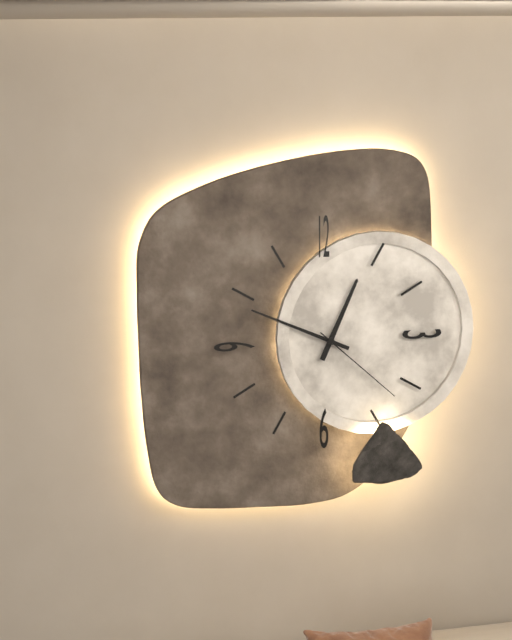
h=12 m=49 s=22
